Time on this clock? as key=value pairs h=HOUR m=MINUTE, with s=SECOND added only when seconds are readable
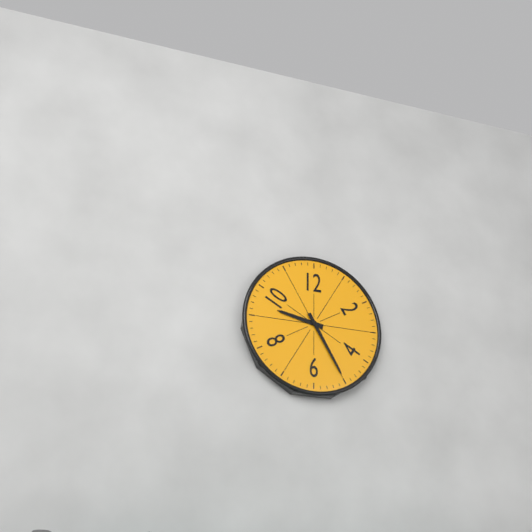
h=9 m=25
